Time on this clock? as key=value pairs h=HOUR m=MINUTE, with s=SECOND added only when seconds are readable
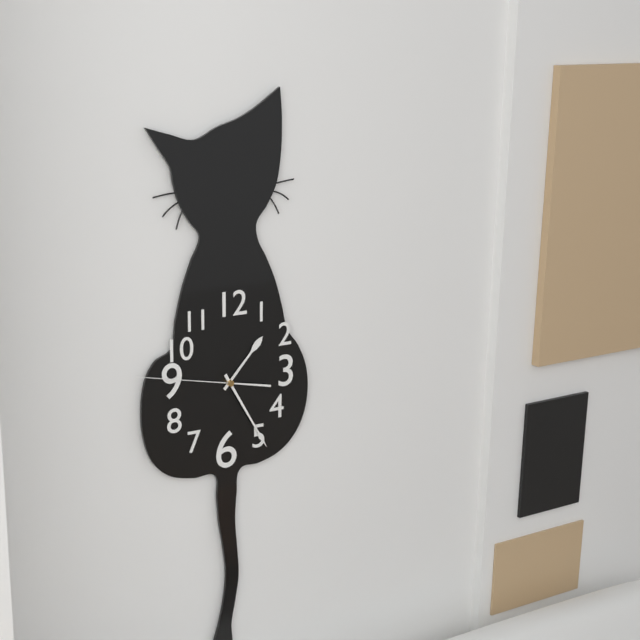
h=1 m=25 s=47
